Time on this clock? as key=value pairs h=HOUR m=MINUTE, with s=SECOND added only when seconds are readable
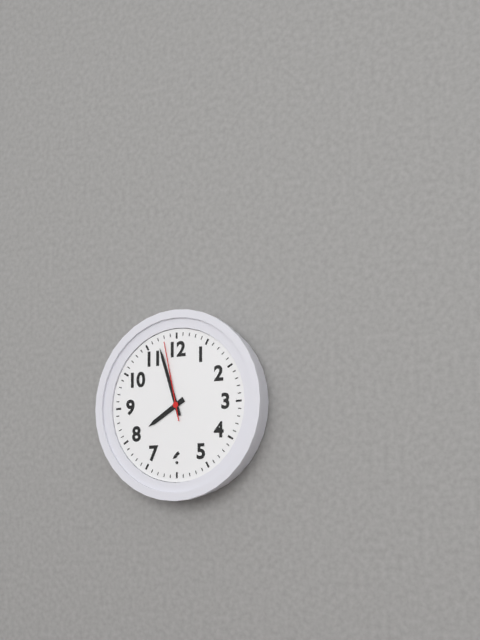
h=7 m=57 s=58
